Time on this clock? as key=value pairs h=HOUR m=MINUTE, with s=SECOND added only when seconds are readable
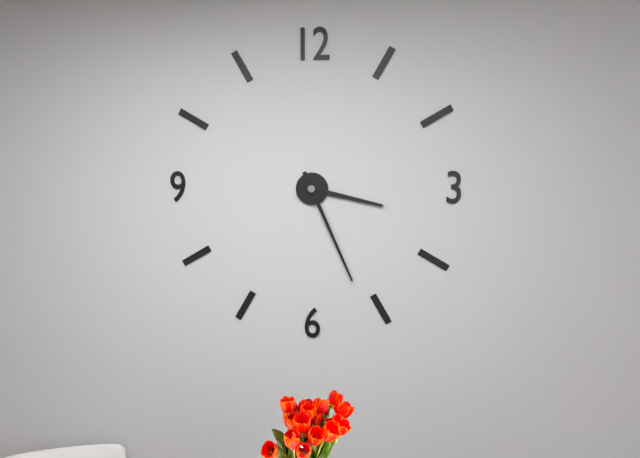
h=3 m=26
